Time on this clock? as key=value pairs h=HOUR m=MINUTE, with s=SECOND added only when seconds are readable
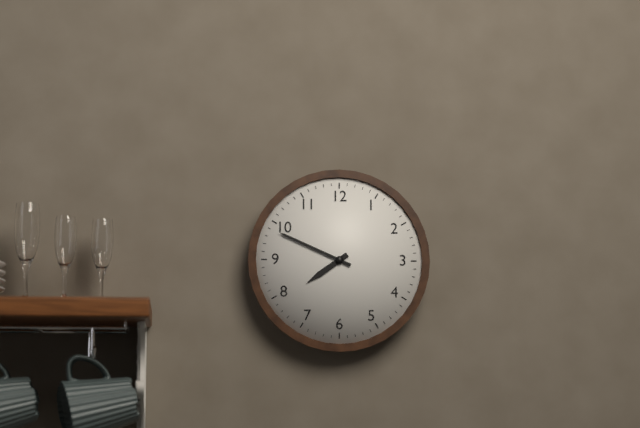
h=7 m=49
